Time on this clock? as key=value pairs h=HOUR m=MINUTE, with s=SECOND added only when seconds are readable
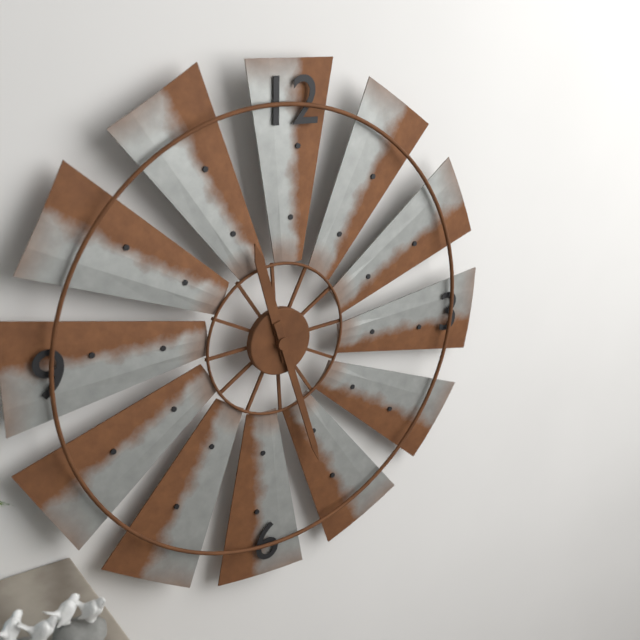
h=11 m=27
